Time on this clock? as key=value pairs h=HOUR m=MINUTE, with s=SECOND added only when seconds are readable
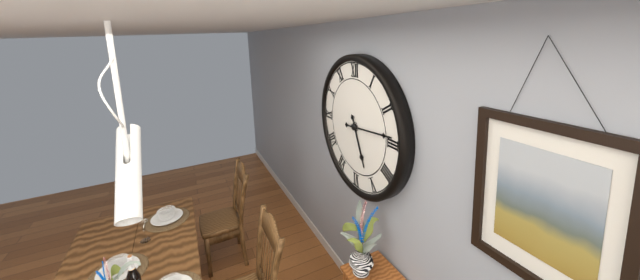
h=5 m=14
